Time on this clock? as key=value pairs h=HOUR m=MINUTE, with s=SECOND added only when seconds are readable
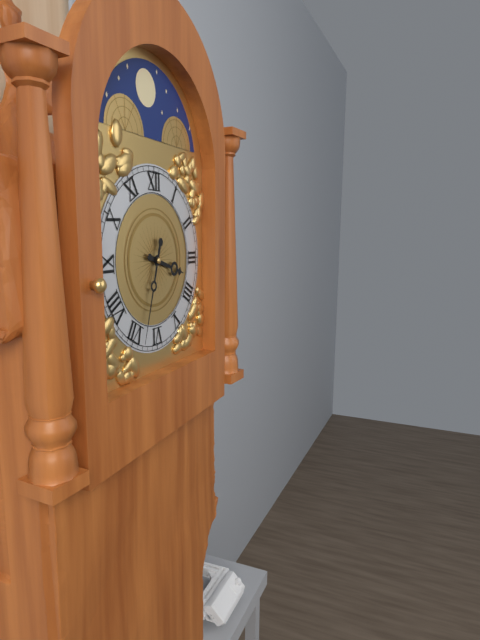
h=3 m=33
